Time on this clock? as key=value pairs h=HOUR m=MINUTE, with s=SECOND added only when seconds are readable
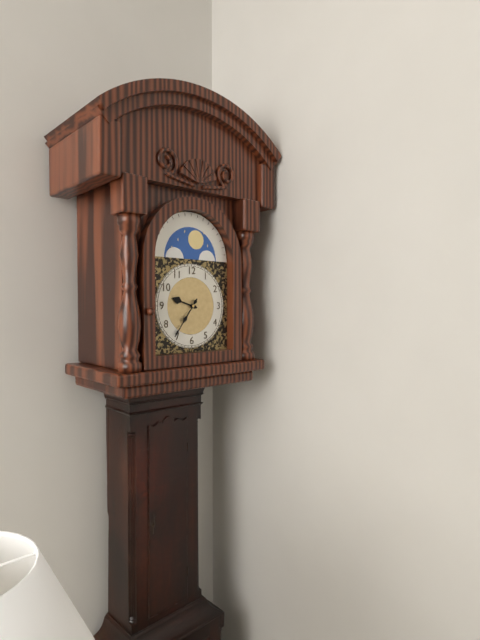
h=9 m=36
